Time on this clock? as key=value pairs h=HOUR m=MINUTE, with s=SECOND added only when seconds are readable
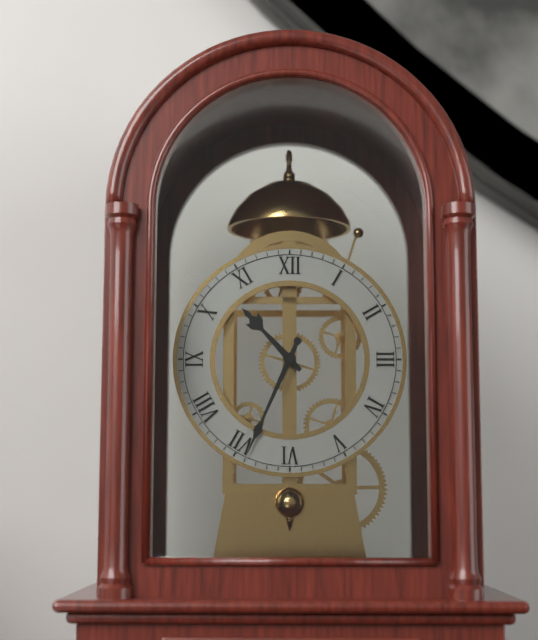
h=10 m=34
